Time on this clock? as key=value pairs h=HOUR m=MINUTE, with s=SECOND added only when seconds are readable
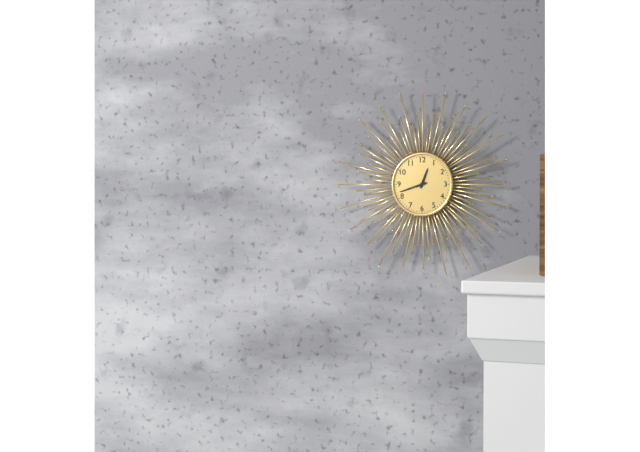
h=12 m=42
